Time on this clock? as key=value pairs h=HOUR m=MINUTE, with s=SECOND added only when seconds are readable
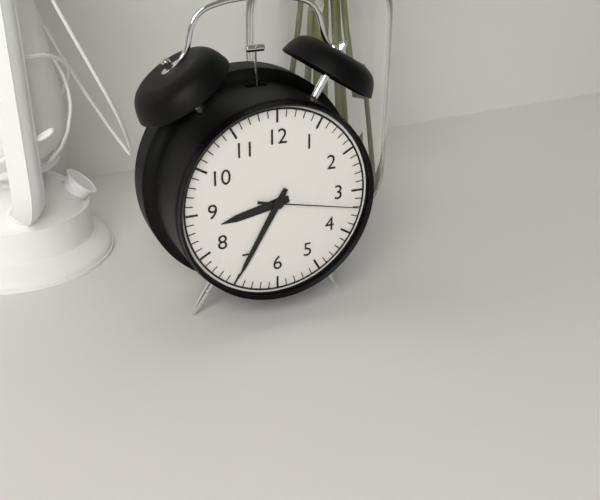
h=8 m=35 s=17
